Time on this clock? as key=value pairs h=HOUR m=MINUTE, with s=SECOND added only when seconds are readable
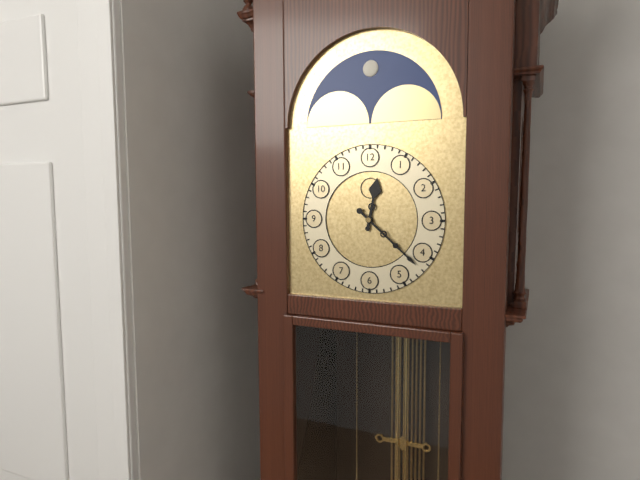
h=12 m=22
